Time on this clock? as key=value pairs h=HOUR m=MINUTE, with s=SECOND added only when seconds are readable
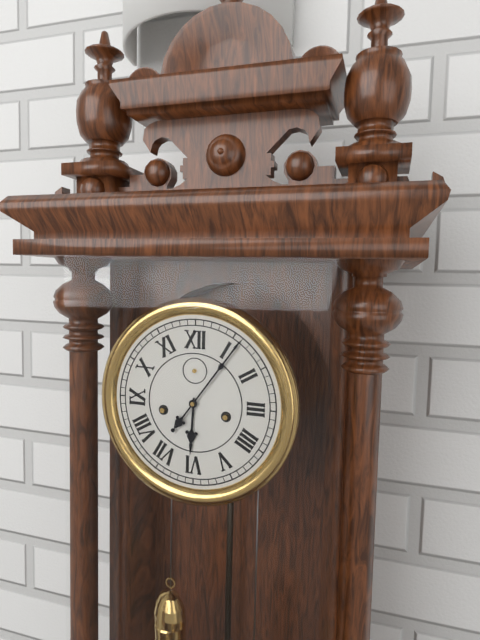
h=6 m=6
